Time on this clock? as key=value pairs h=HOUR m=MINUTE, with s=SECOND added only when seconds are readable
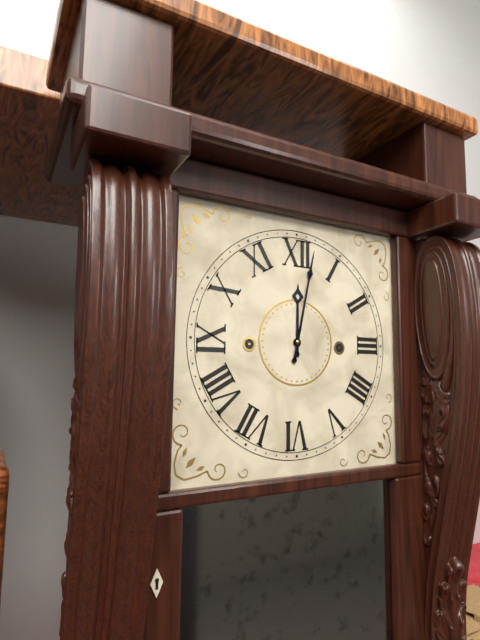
h=12 m=2
